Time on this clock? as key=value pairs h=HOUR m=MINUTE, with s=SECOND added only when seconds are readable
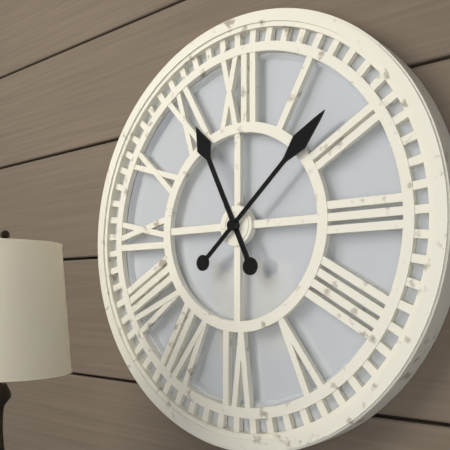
h=11 m=8
